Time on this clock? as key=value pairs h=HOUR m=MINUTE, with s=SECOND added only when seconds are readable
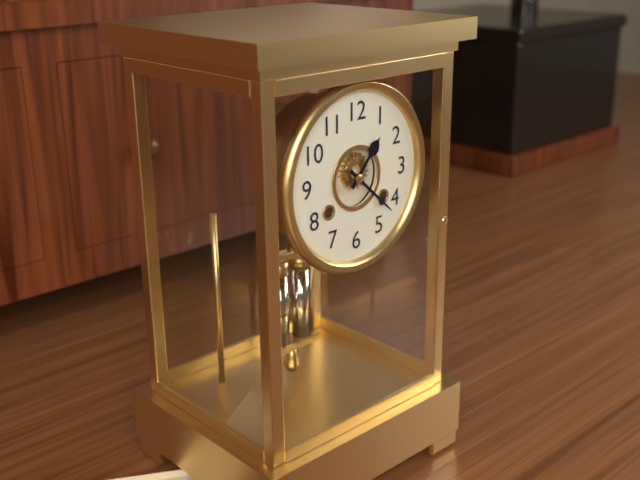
h=1 m=22
